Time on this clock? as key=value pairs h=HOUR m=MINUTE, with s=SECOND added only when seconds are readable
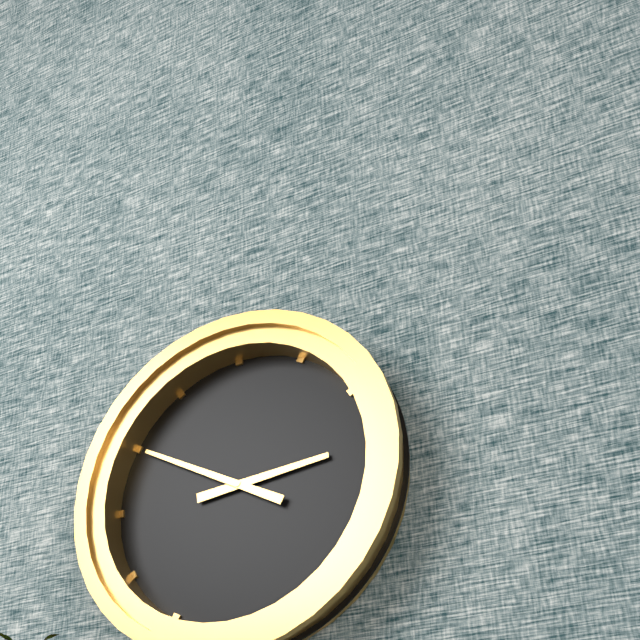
h=2 m=50
